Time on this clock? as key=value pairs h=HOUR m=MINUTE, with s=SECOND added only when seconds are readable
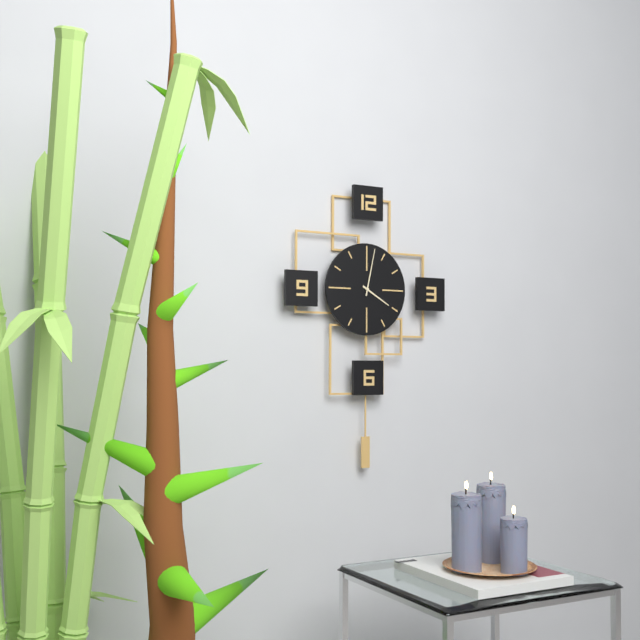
h=4 m=2
